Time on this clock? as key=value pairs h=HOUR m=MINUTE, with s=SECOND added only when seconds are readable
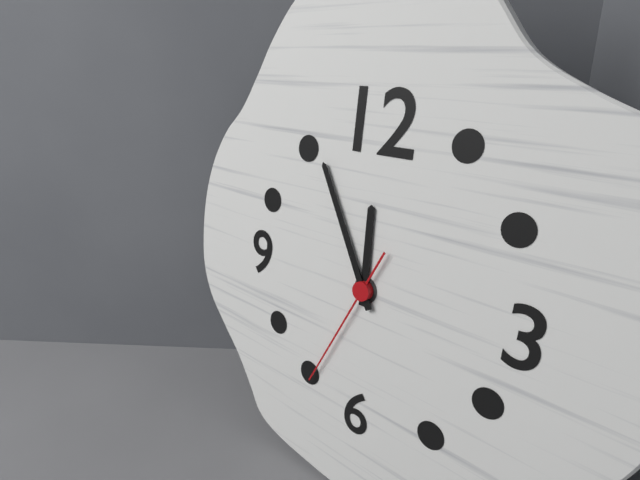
h=11 m=55 s=34
